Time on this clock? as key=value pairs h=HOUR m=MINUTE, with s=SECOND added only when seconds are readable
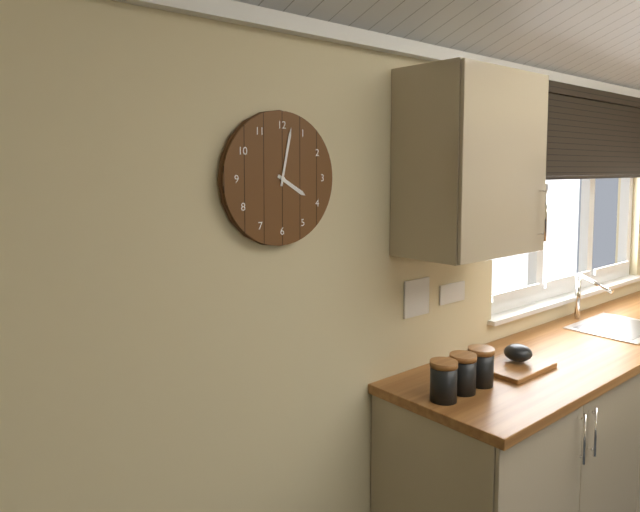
h=4 m=2
